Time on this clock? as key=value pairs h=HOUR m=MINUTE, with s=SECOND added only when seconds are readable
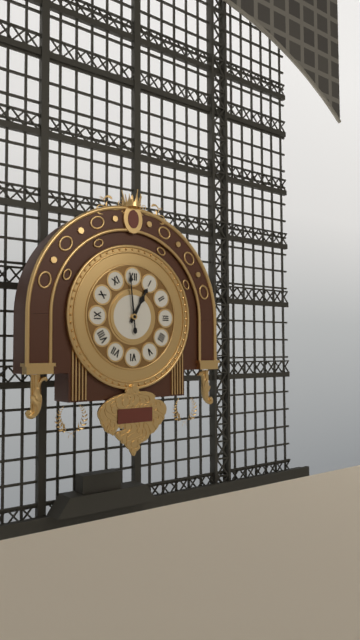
h=12 m=59
